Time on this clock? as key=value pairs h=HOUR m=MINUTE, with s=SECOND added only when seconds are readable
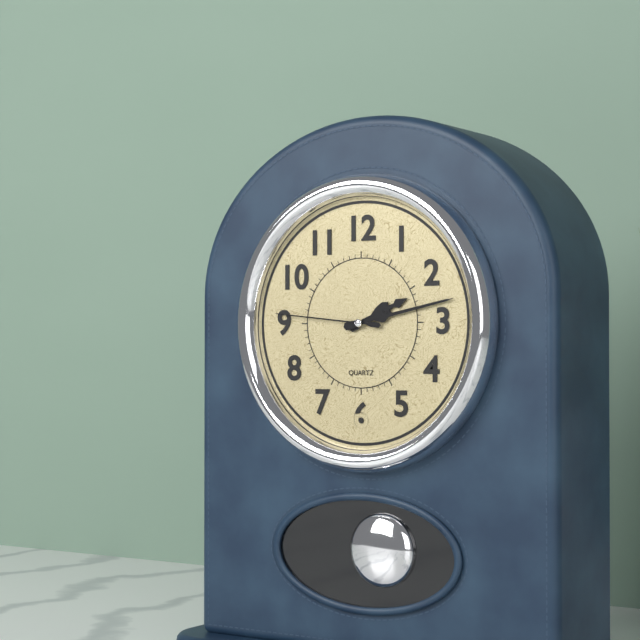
h=2 m=13 s=46
